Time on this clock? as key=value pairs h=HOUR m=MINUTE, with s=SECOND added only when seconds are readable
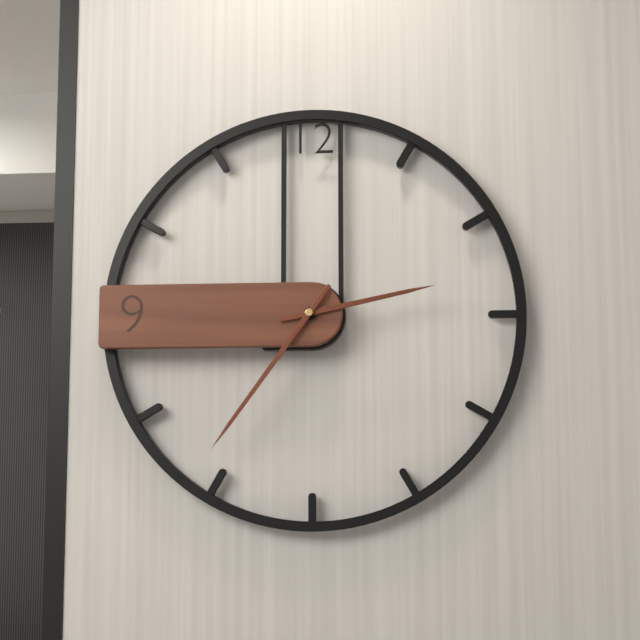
h=2 m=36
